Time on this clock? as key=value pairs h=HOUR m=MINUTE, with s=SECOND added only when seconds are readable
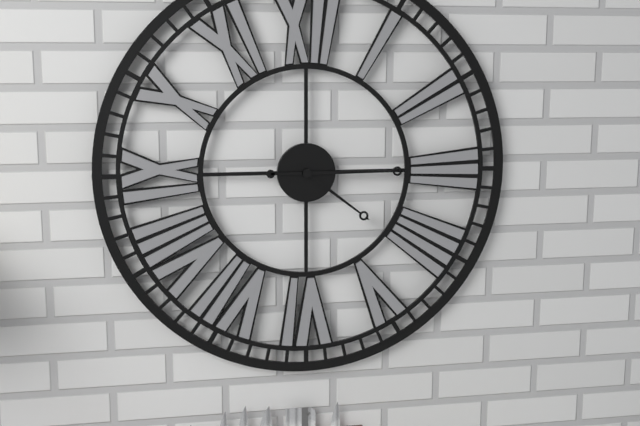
h=4 m=15
